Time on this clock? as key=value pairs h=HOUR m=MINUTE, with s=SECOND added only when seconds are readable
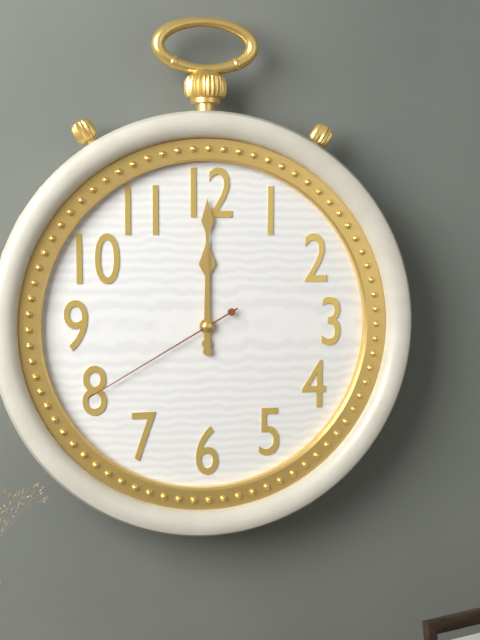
h=12 m=0 s=40
